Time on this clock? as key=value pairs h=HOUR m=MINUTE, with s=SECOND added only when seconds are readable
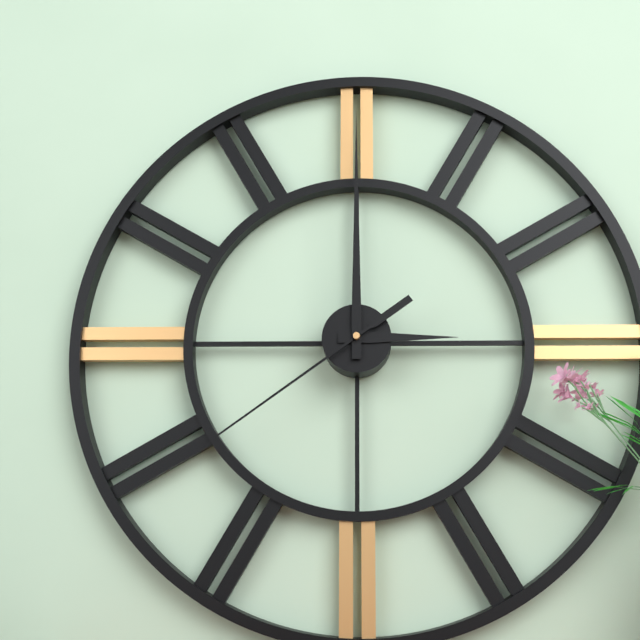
h=3 m=0 s=39
